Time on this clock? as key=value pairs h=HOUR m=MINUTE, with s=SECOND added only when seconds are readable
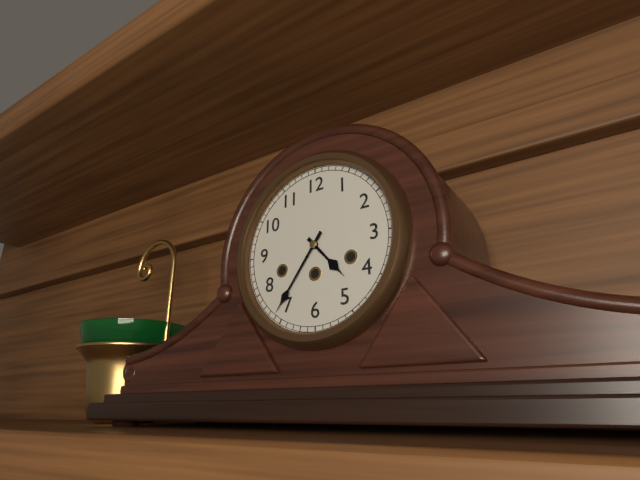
h=4 m=36
